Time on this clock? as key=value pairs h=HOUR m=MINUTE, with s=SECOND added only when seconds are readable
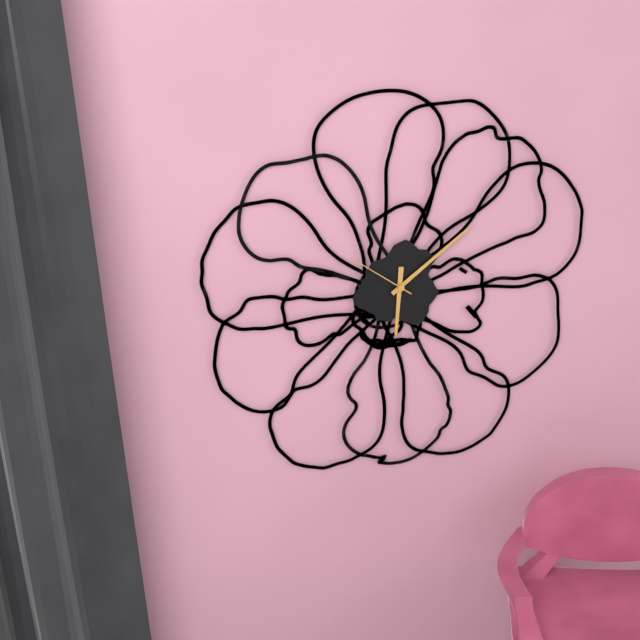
h=6 m=9 s=51
